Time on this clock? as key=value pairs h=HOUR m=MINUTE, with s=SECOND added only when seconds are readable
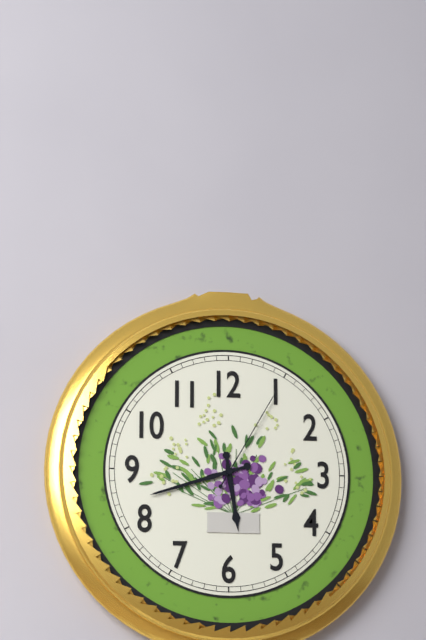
h=5 m=42 s=5
